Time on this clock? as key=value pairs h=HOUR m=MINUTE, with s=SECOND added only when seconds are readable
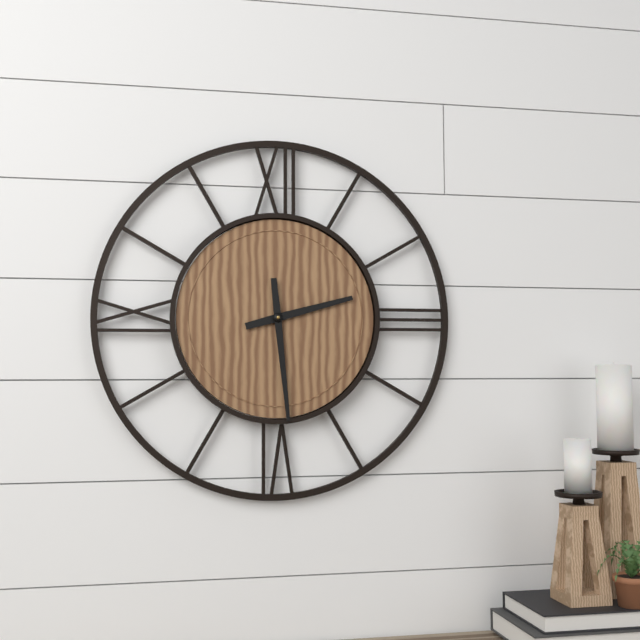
h=2 m=29
